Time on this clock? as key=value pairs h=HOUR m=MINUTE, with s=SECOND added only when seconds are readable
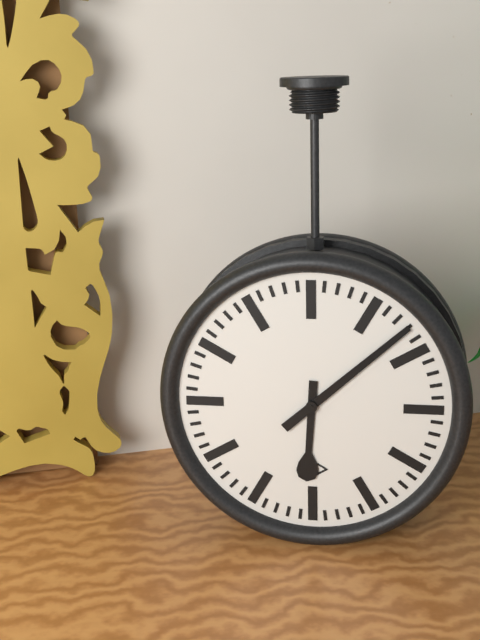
h=6 m=8
